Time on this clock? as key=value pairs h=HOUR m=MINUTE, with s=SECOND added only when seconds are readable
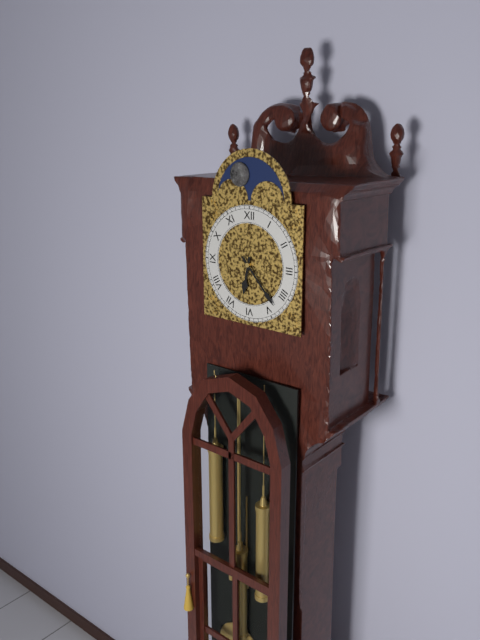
h=6 m=23
